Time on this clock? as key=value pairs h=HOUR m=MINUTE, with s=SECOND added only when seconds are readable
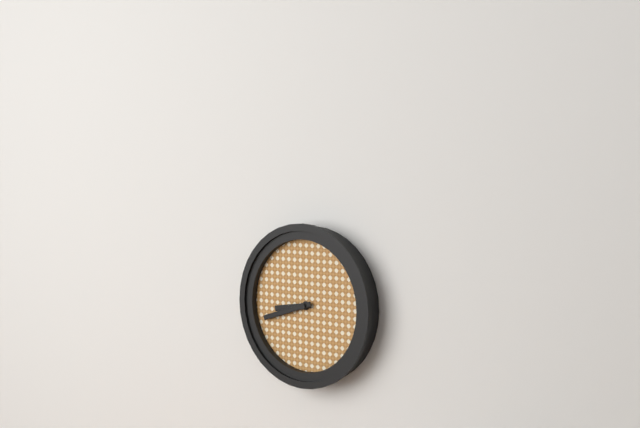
h=8 m=42
